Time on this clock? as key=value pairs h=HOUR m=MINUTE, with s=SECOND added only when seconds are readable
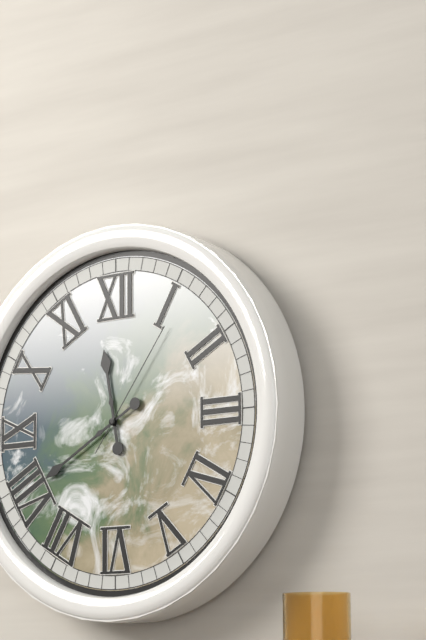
h=11 m=40 s=6
